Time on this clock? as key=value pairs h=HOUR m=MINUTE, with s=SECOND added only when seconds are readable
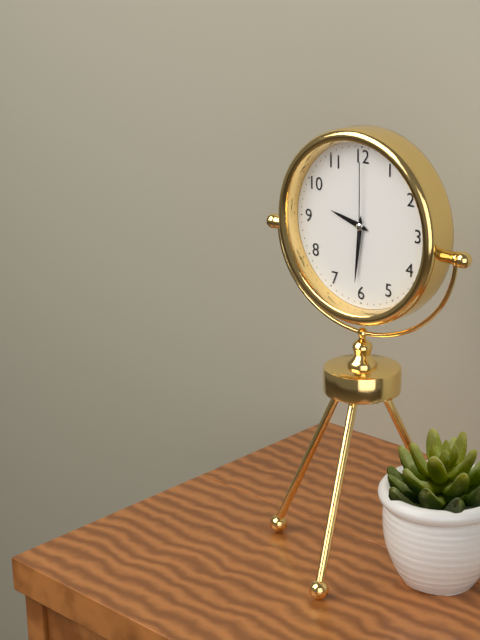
h=9 m=31 s=0
